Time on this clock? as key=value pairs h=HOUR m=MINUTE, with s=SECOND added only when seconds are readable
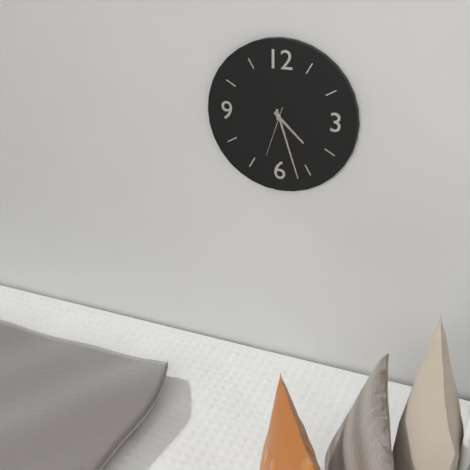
h=4 m=27
